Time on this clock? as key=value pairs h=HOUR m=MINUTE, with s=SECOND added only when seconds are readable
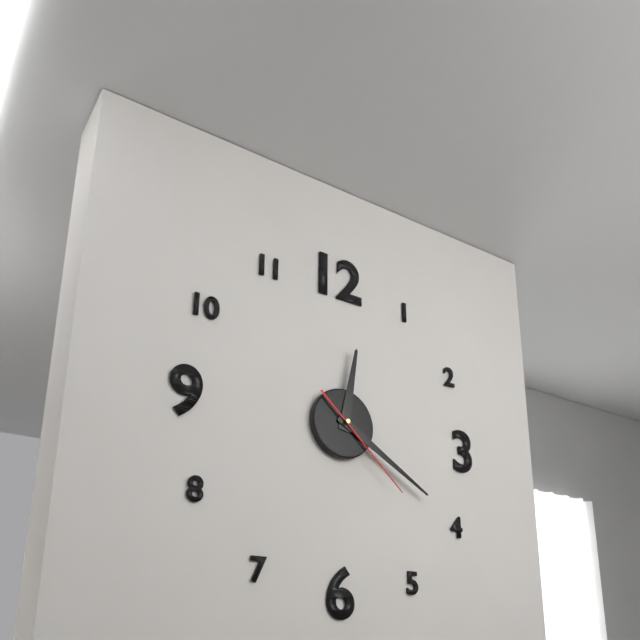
h=12 m=20 s=22
